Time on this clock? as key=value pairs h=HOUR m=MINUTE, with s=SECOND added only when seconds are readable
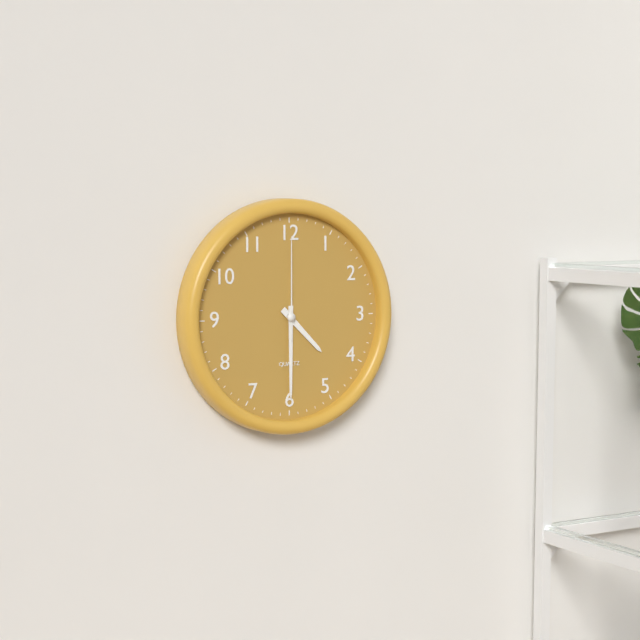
h=4 m=30 s=0
